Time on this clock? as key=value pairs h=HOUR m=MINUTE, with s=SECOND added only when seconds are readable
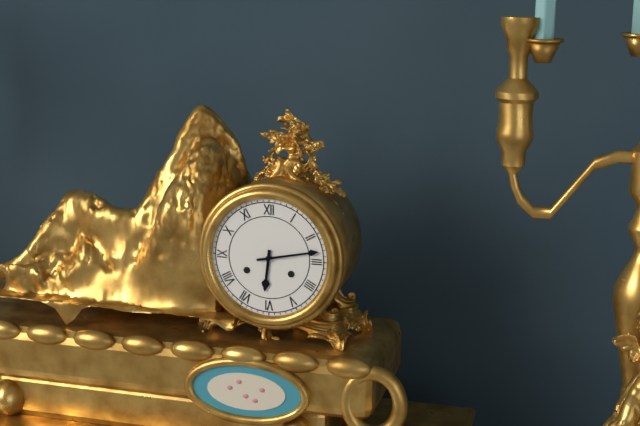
h=6 m=13
